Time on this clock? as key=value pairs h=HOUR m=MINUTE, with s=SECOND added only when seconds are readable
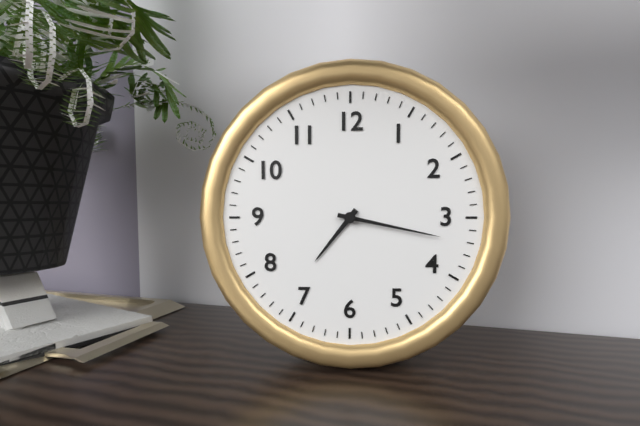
h=7 m=17
